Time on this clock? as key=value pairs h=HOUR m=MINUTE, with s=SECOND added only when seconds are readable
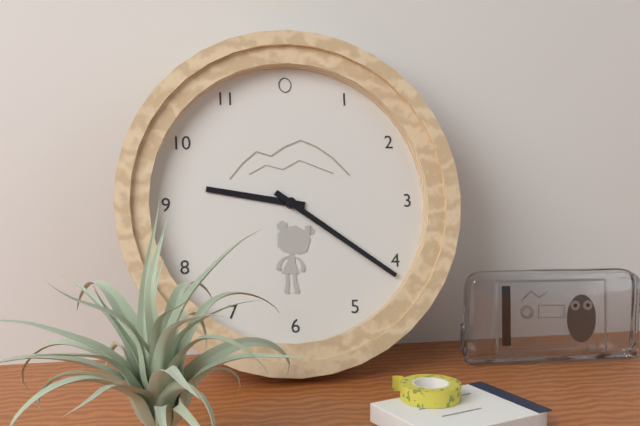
h=9 m=21
